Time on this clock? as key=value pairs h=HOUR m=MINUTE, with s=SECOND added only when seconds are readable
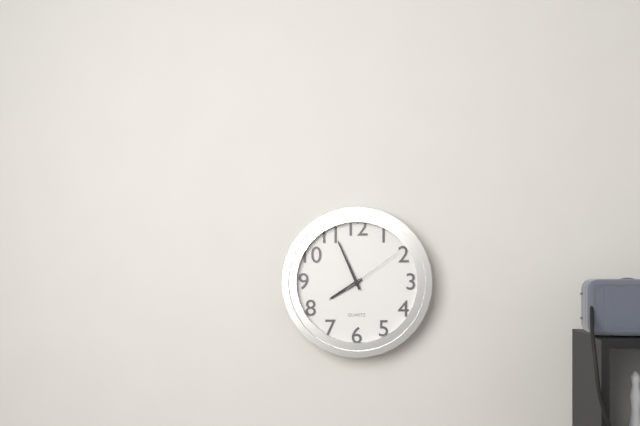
h=7 m=56 s=9
